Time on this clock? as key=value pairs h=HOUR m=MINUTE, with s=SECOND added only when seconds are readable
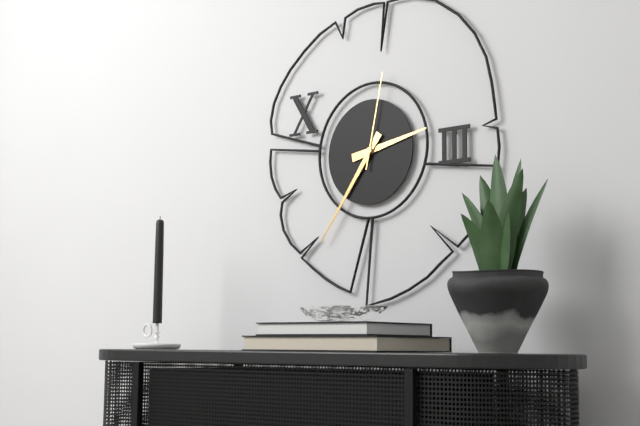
h=2 m=36 s=2
